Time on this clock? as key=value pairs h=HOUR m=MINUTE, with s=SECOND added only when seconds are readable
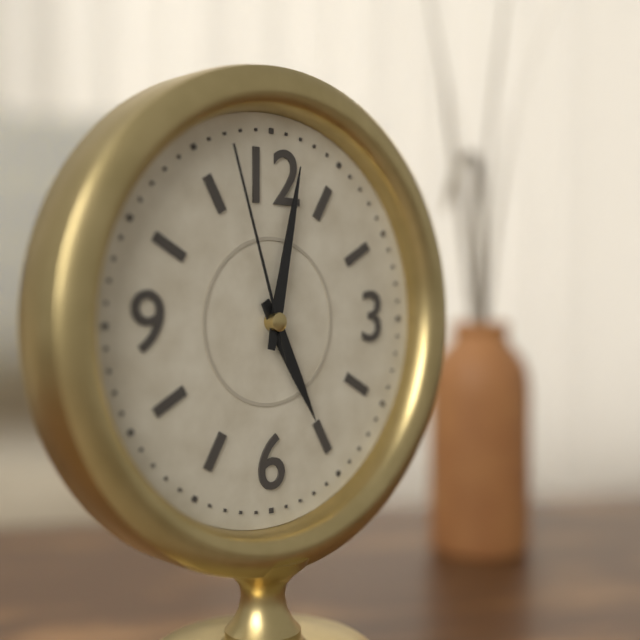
h=5 m=2 s=57
